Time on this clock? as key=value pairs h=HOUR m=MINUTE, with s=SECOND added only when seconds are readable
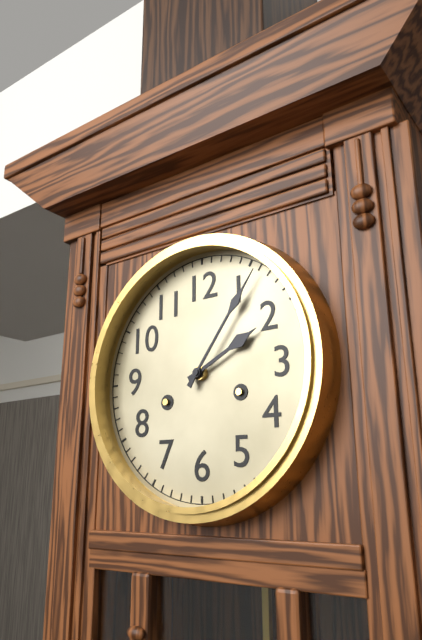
h=2 m=6
